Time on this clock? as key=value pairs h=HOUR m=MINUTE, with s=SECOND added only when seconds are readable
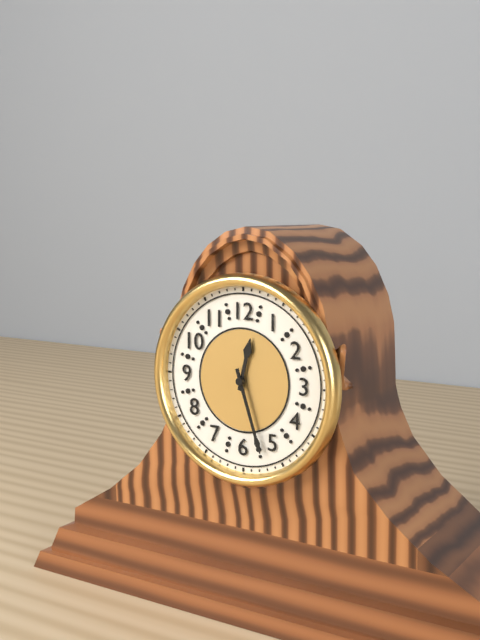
h=12 m=27
